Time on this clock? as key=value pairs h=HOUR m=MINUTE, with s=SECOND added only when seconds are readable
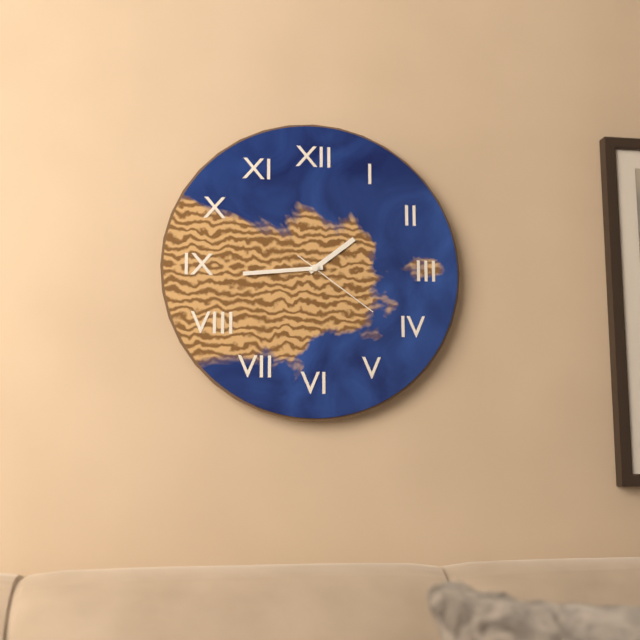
h=1 m=44 s=21
